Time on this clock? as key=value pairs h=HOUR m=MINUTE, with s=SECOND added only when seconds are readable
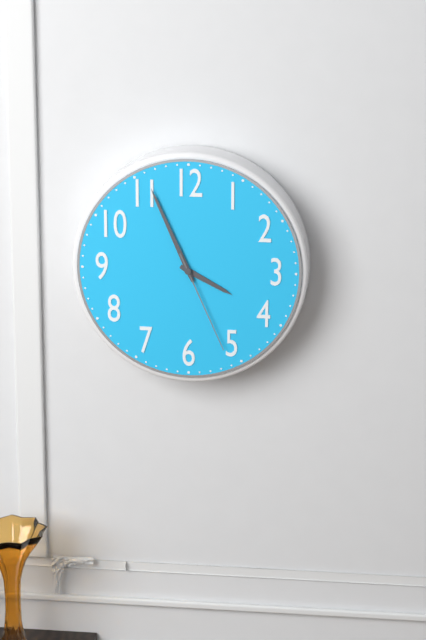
h=3 m=56 s=26
